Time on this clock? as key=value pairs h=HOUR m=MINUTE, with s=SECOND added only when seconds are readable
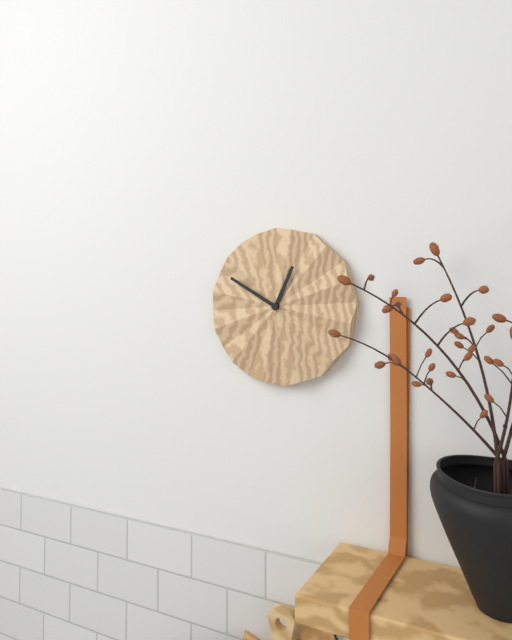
h=12 m=50
